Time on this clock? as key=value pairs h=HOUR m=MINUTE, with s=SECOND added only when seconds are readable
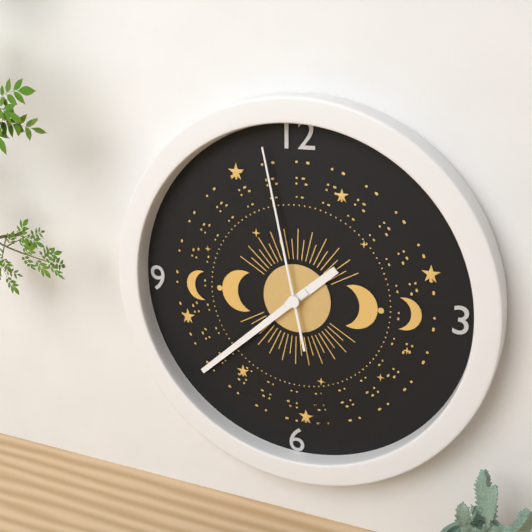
h=1 m=38 s=58
